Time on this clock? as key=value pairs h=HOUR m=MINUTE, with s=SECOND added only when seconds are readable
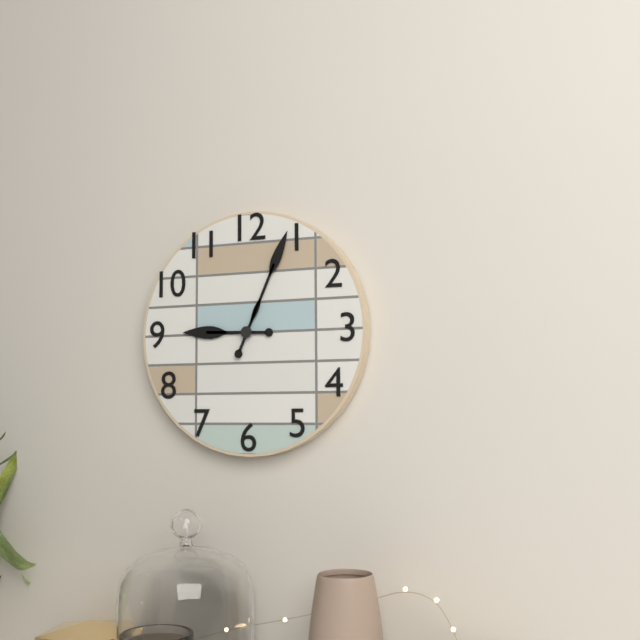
h=9 m=4
